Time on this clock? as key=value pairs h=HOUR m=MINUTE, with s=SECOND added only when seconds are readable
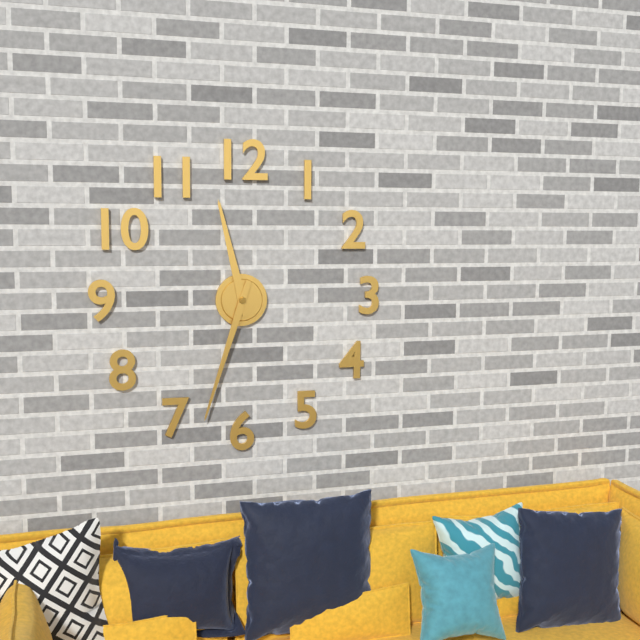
h=11 m=33
